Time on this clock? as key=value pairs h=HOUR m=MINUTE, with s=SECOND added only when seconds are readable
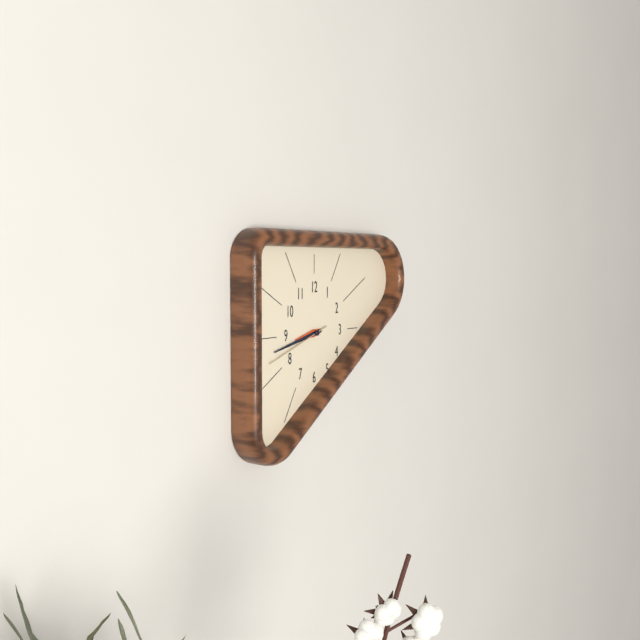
h=8 m=43 s=42
